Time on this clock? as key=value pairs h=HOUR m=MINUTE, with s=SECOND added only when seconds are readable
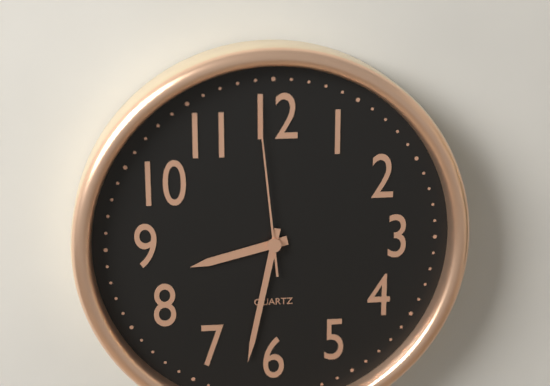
h=8 m=32 s=59
